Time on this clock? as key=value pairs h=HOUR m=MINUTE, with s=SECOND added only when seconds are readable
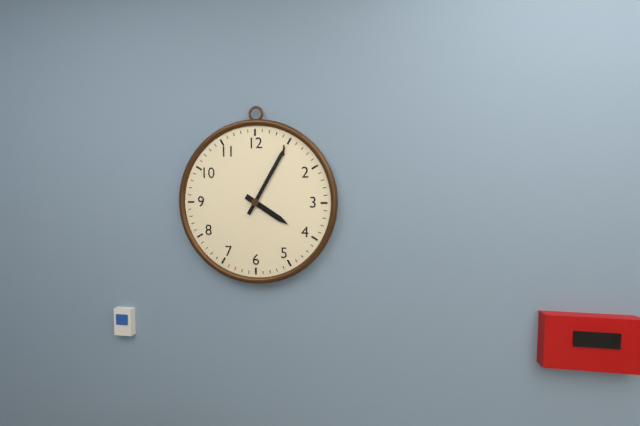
h=4 m=5
